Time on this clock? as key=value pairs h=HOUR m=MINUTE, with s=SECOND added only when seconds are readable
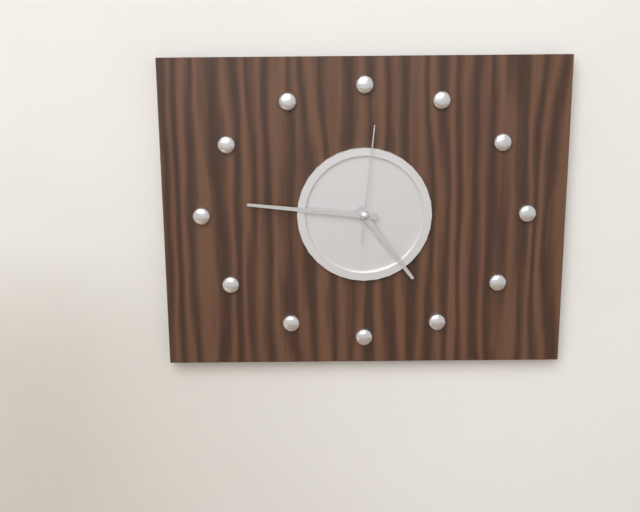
h=4 m=46 s=1
